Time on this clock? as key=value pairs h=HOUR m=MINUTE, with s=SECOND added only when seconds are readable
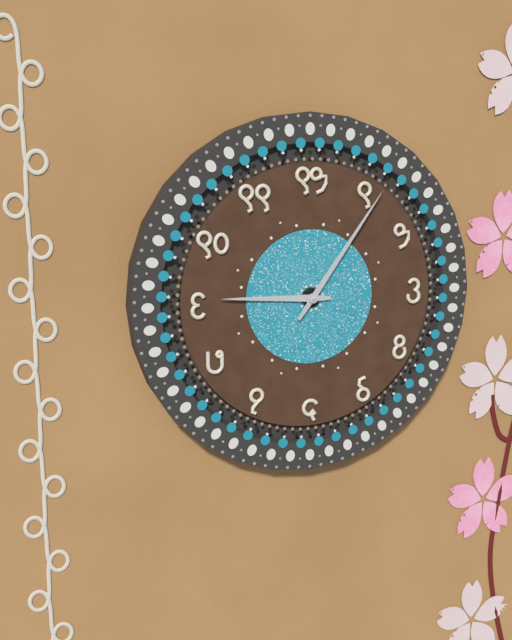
h=9 m=6
